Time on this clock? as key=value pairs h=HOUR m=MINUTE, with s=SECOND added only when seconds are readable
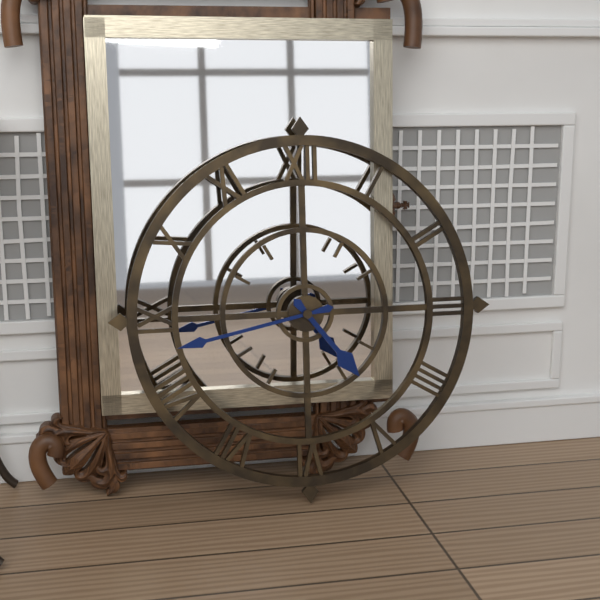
h=4 m=43
